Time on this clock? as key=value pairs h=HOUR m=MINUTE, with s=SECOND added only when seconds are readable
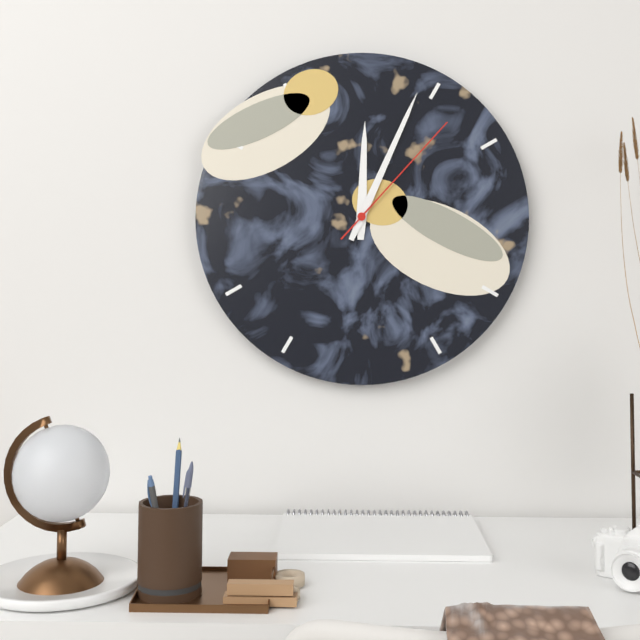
h=12 m=4 s=7
